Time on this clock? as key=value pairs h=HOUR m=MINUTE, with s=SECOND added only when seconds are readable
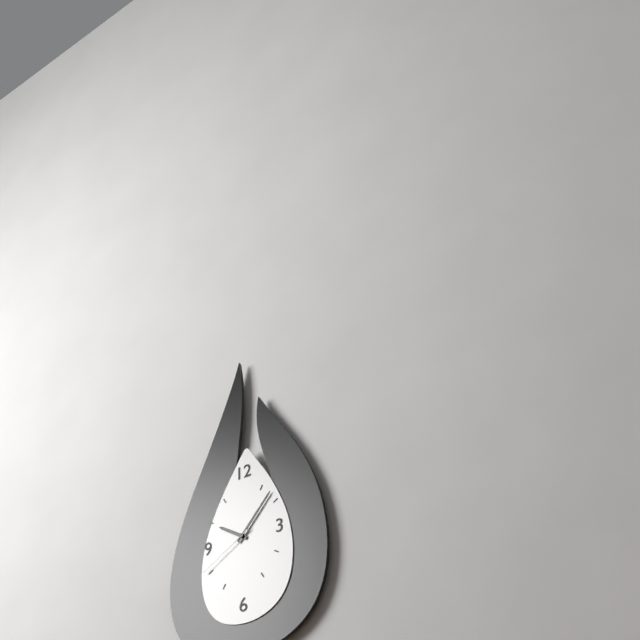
h=10 m=7 s=40
